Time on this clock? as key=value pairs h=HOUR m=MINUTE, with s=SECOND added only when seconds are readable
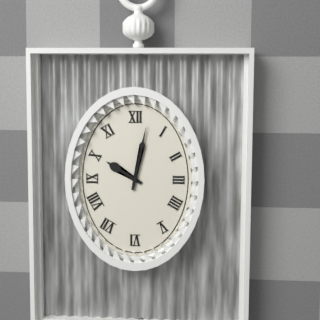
h=10 m=2
